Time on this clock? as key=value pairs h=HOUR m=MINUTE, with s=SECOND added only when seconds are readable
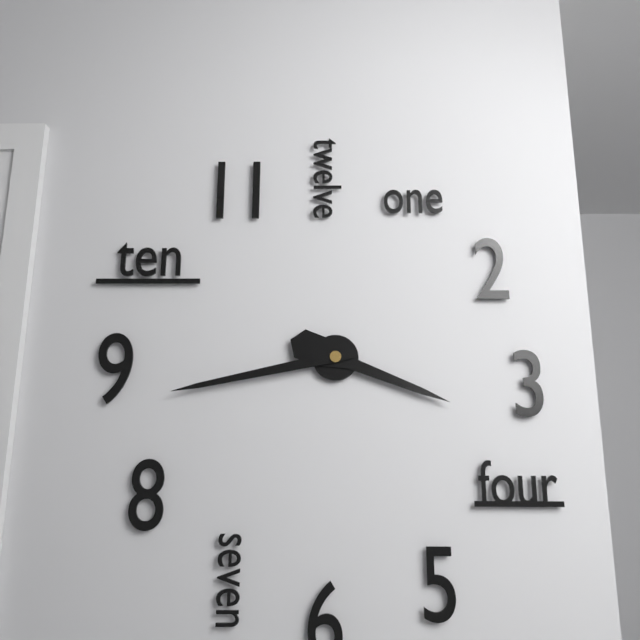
h=3 m=43
